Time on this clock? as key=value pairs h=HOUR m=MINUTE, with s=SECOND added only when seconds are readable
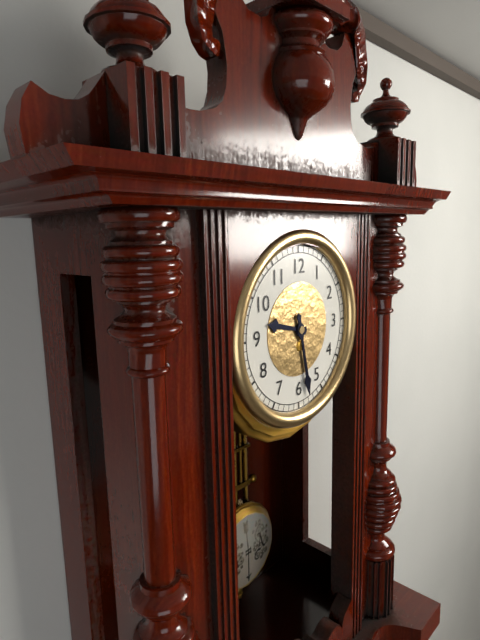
h=9 m=28
